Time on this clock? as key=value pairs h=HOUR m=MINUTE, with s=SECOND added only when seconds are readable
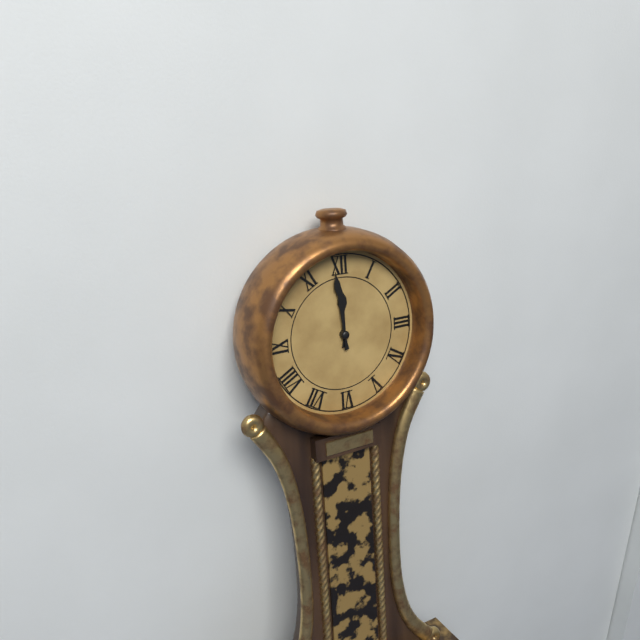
h=11 m=59
